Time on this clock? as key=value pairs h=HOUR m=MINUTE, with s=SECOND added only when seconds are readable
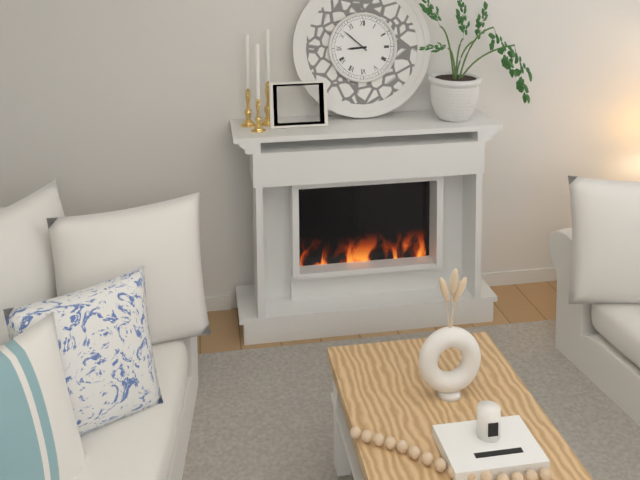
h=8 m=52
